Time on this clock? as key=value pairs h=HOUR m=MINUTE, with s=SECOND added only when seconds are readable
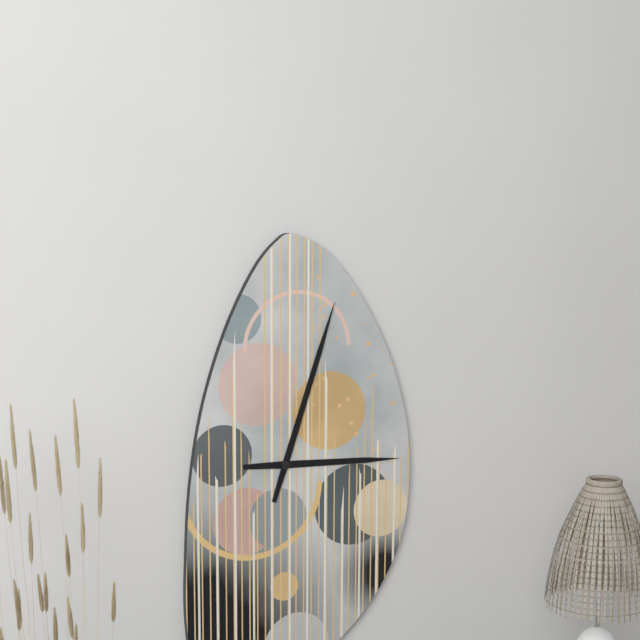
h=3 m=3
